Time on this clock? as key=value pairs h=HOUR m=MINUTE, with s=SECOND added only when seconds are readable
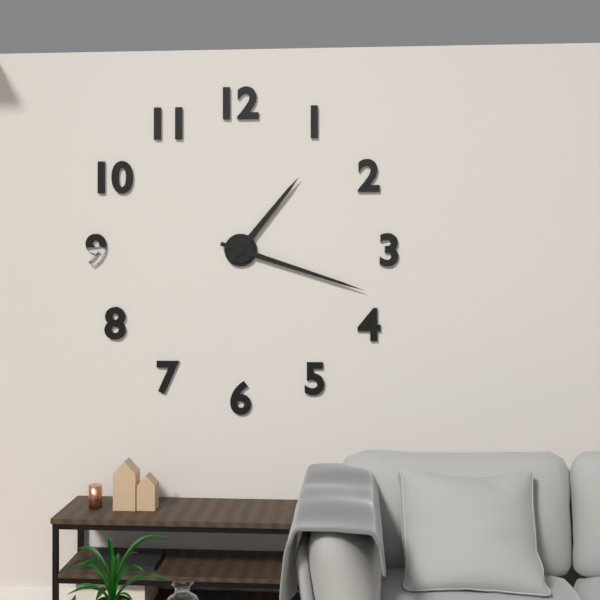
h=1 m=18
